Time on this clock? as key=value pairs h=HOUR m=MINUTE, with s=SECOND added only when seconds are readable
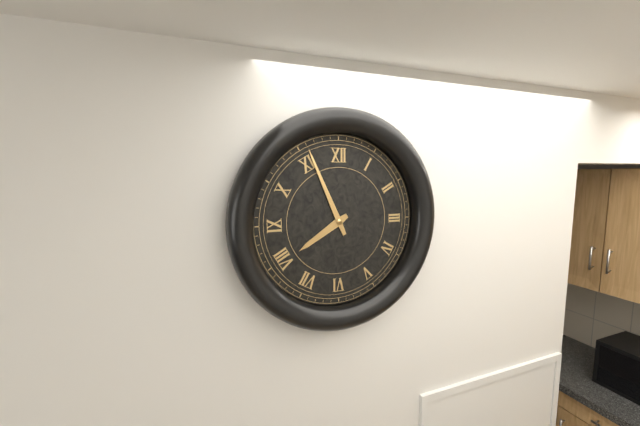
h=7 m=56
